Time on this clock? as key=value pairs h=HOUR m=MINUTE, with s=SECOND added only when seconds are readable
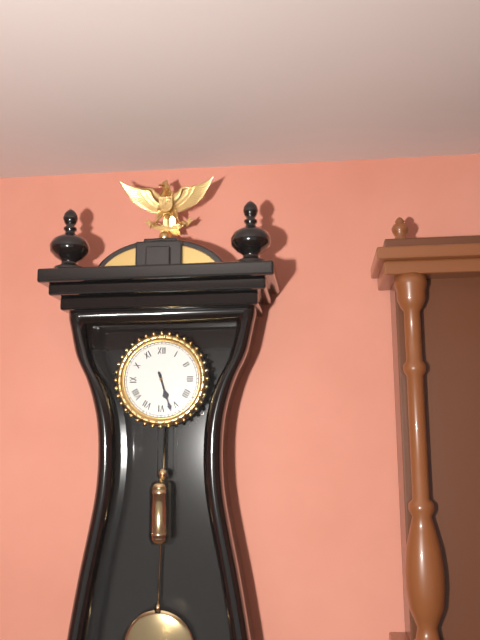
h=5 m=27
